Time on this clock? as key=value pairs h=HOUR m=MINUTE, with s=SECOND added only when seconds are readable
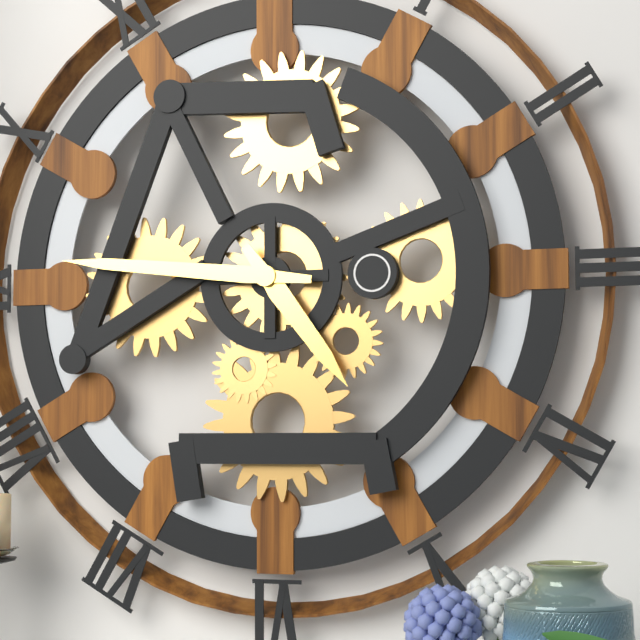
h=4 m=46
